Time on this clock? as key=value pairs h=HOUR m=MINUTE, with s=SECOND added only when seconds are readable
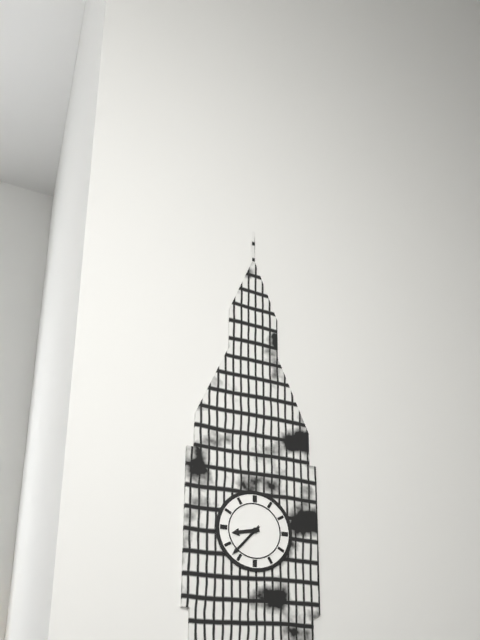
h=8 m=37
